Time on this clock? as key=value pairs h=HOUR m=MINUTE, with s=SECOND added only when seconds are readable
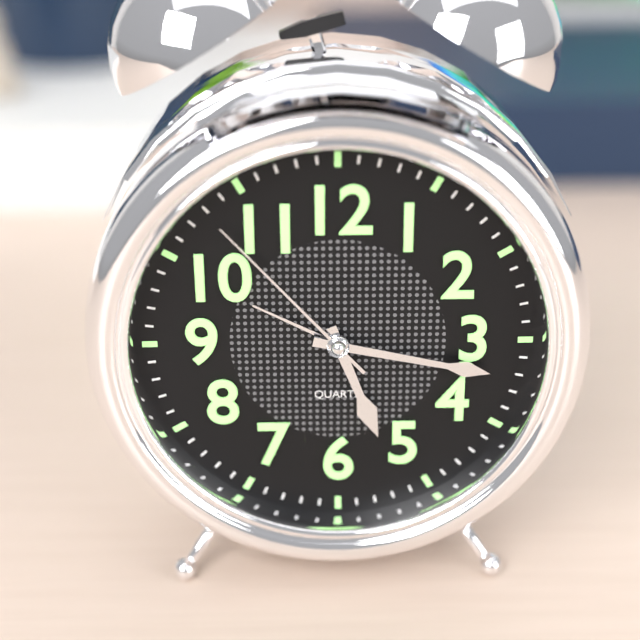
h=5 m=17 s=53
